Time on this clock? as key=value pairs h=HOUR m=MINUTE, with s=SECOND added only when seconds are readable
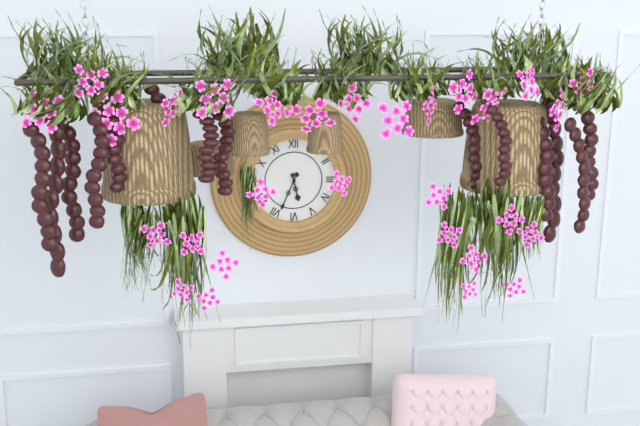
h=5 m=34
